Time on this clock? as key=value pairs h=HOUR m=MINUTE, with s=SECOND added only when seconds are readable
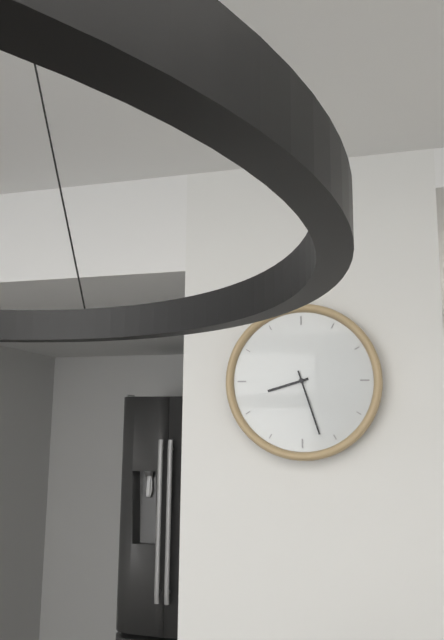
h=8 m=27
